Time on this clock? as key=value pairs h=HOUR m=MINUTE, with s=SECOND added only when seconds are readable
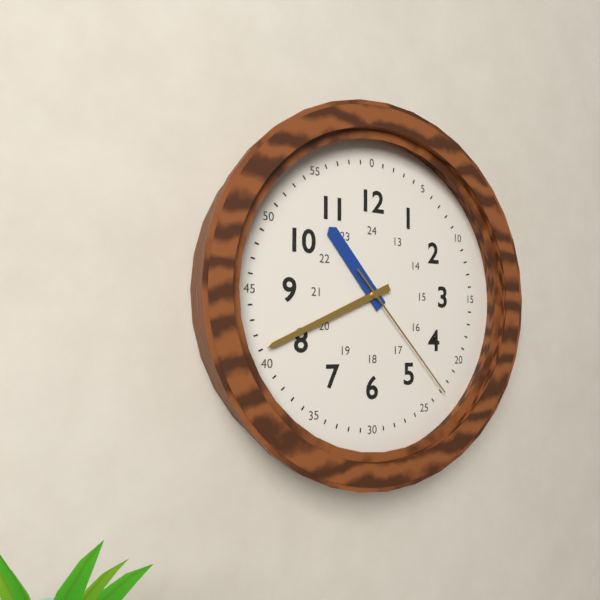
h=10 m=41 s=23
